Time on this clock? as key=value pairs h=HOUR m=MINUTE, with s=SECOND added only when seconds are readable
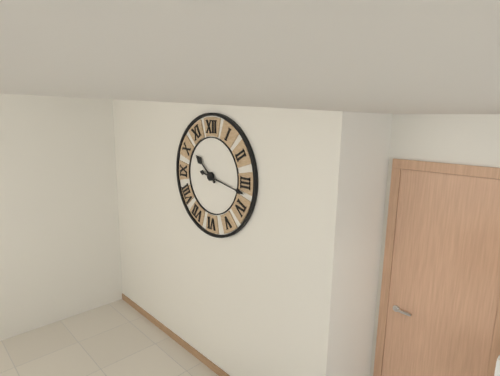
h=10 m=17
